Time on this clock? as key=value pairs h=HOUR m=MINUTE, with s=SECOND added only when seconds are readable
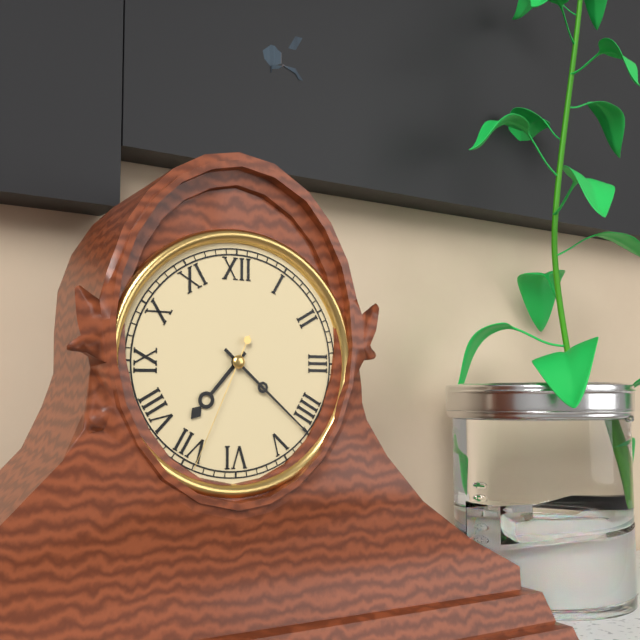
h=7 m=22 s=34
